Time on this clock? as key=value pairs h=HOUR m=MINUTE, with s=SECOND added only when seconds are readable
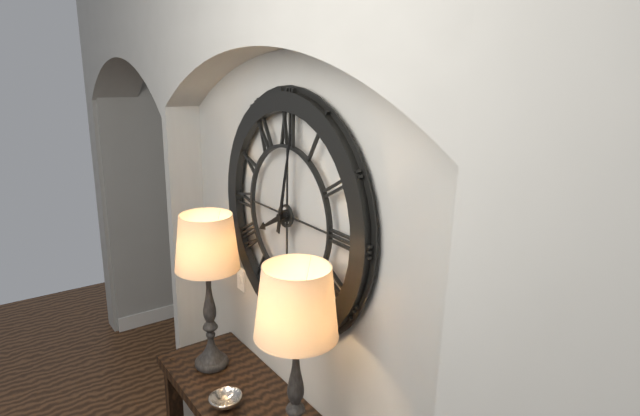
h=8 m=2
